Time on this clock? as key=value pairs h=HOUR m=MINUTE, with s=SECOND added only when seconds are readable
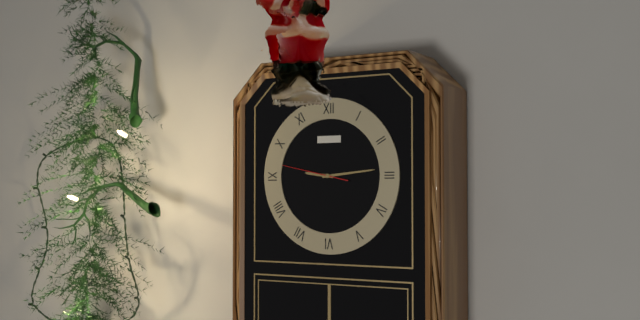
h=9 m=14 s=47
